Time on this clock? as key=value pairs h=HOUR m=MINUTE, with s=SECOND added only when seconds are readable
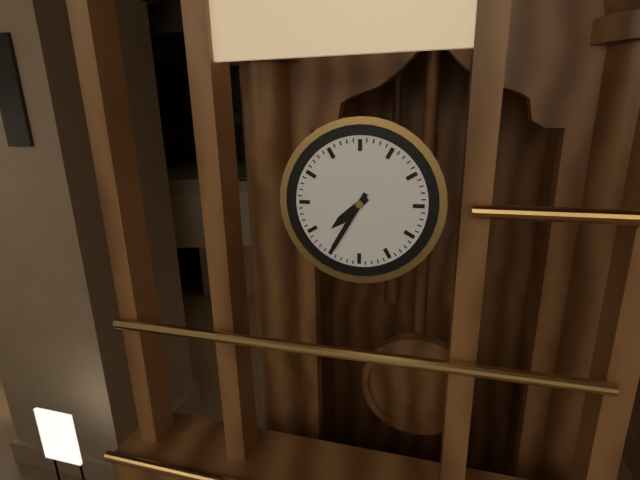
h=7 m=35
